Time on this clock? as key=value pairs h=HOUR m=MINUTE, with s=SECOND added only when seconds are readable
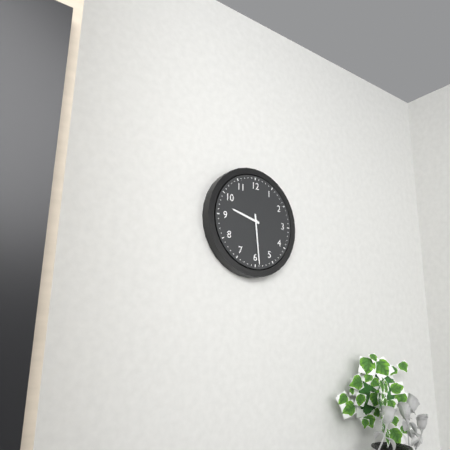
h=9 m=29
